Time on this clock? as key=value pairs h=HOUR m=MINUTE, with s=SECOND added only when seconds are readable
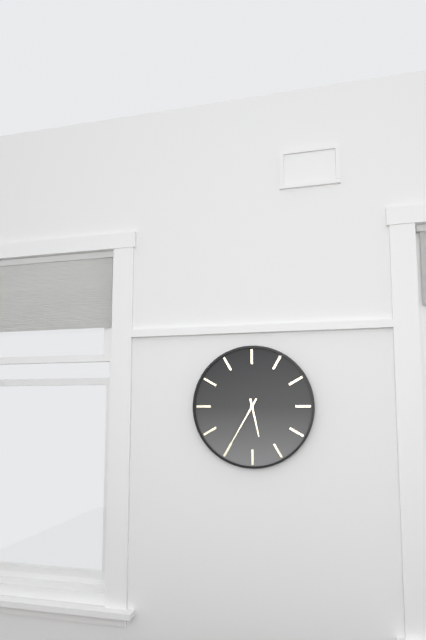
h=5 m=35
